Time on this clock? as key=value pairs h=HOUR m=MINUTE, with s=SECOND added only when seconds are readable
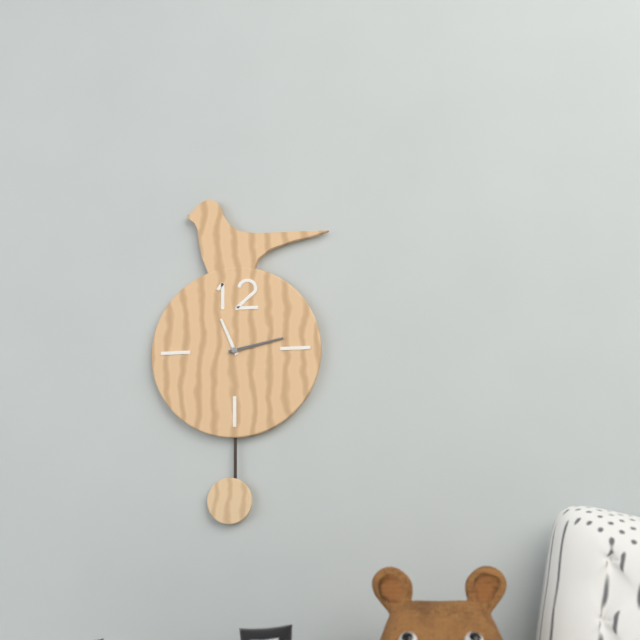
h=11 m=13
